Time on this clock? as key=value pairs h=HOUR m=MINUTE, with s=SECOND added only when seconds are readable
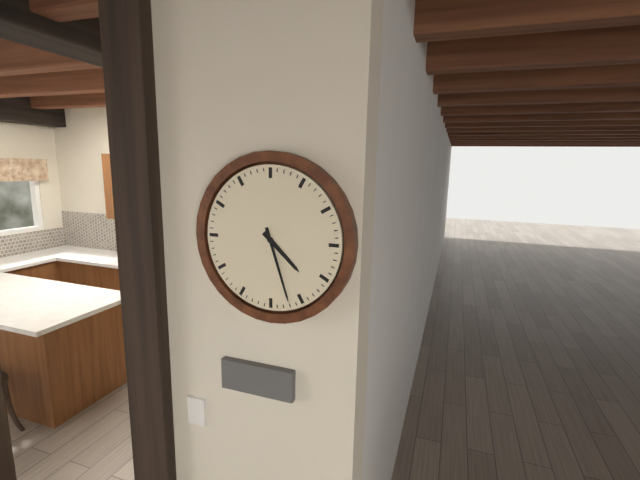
h=4 m=27
